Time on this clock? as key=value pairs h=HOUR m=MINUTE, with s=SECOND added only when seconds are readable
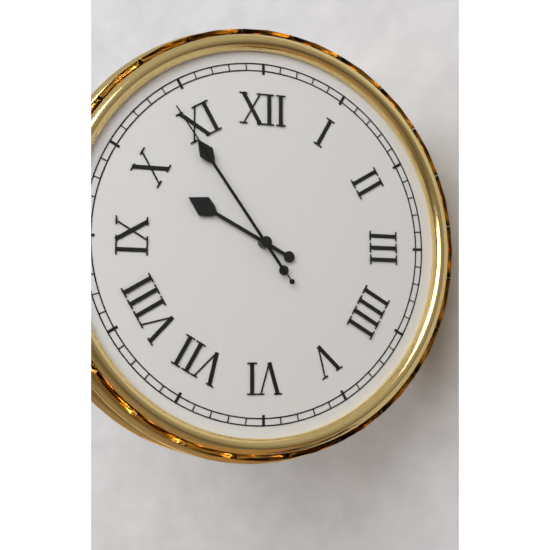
h=9 m=54 s=54
